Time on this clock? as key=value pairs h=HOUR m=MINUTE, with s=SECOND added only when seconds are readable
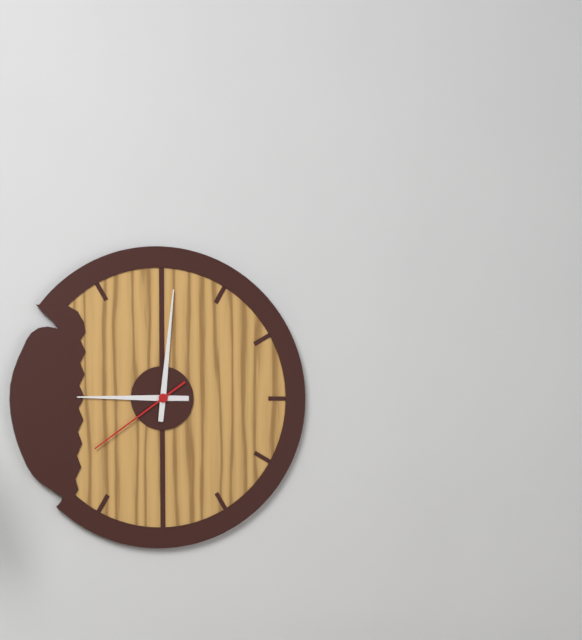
h=9 m=1 s=39
